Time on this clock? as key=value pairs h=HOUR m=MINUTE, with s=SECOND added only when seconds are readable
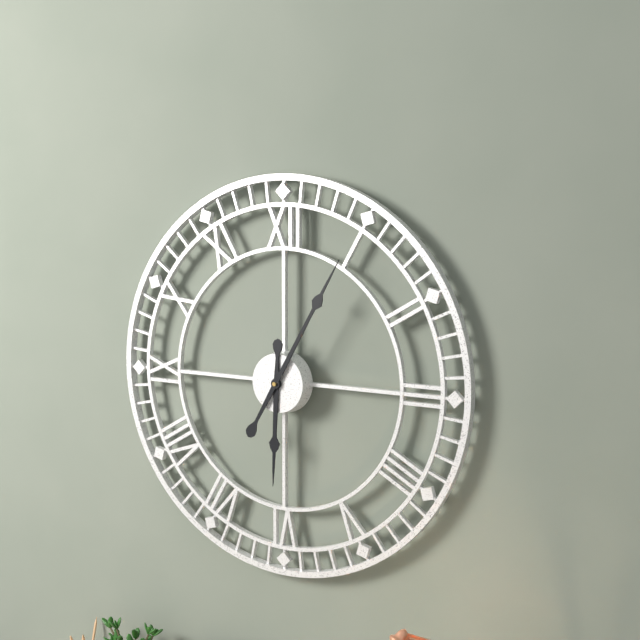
h=6 m=5
